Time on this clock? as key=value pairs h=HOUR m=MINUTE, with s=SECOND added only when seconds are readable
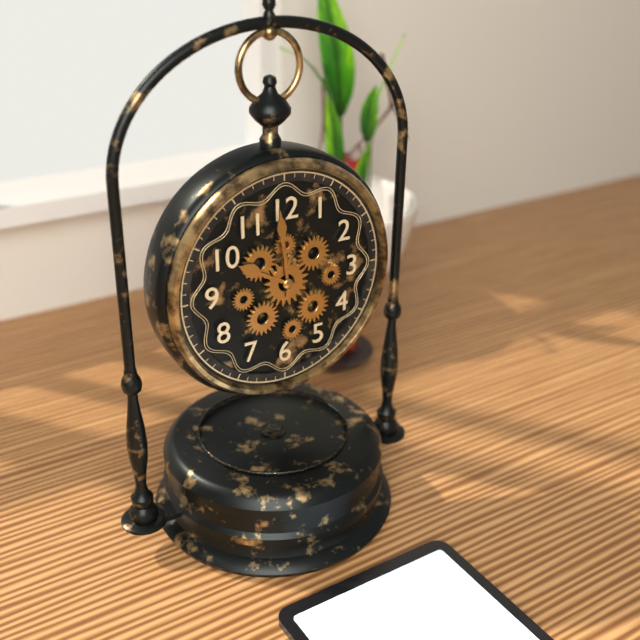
h=9 m=59
